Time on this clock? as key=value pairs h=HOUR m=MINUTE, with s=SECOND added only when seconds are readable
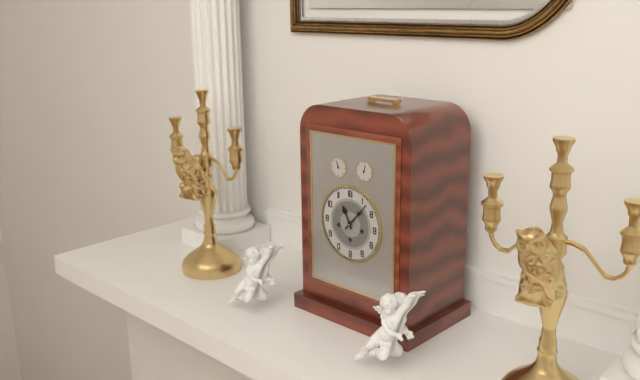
h=11 m=7
